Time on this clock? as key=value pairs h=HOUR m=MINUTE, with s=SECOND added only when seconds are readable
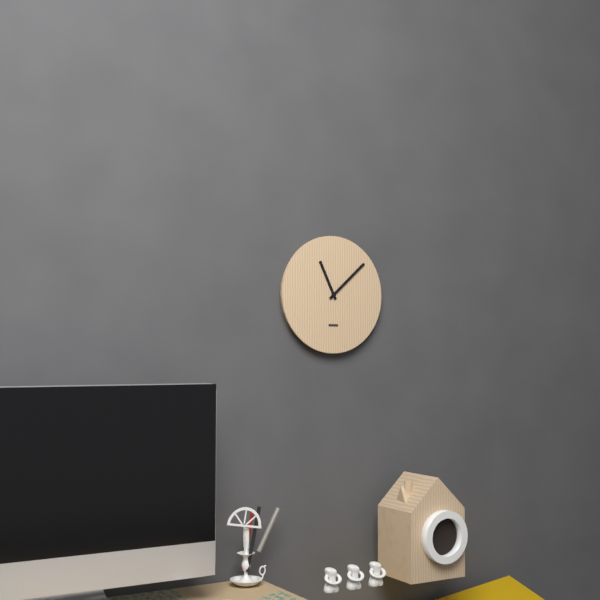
h=11 m=8
